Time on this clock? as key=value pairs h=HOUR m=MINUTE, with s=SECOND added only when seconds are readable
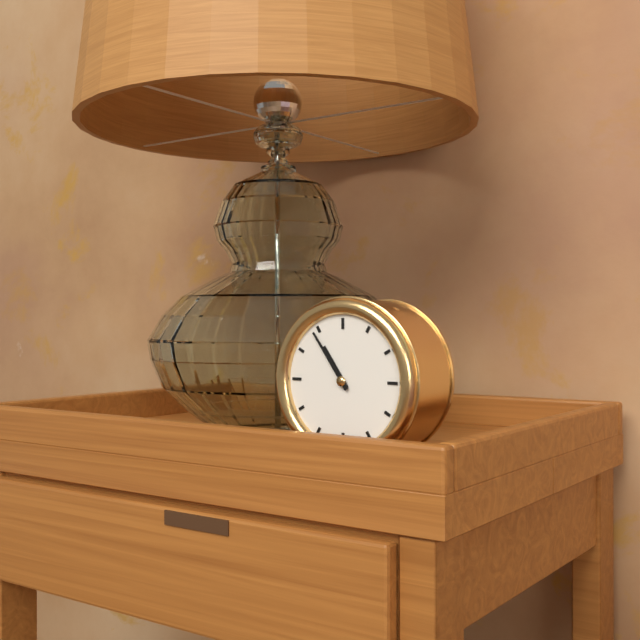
h=10 m=54
